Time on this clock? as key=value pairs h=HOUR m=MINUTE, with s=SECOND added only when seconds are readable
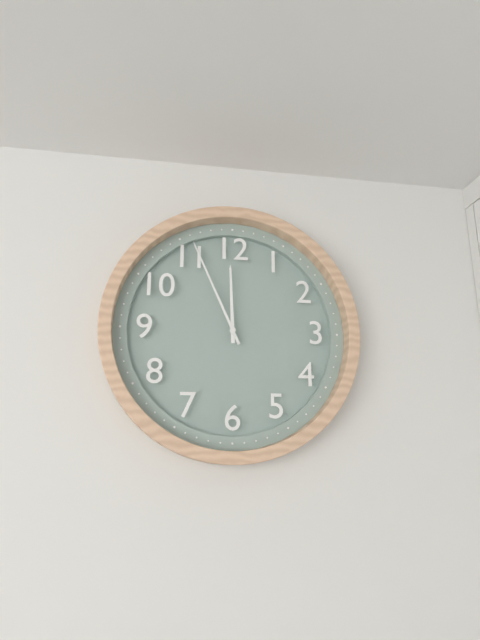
h=11 m=56
